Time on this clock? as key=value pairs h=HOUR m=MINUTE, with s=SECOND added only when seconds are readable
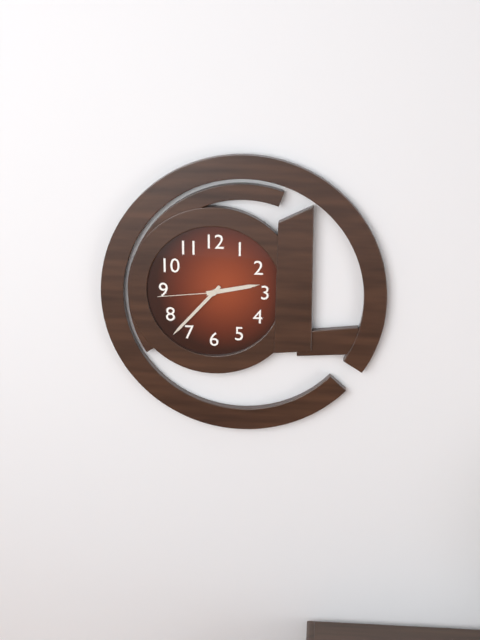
h=2 m=37 s=44
